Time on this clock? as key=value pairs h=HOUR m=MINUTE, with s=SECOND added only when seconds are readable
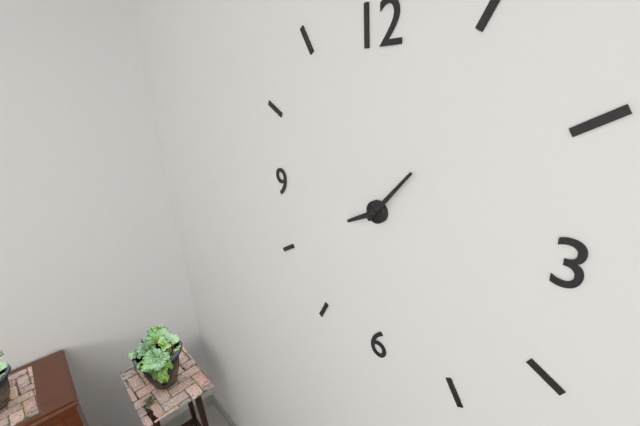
h=8 m=7
